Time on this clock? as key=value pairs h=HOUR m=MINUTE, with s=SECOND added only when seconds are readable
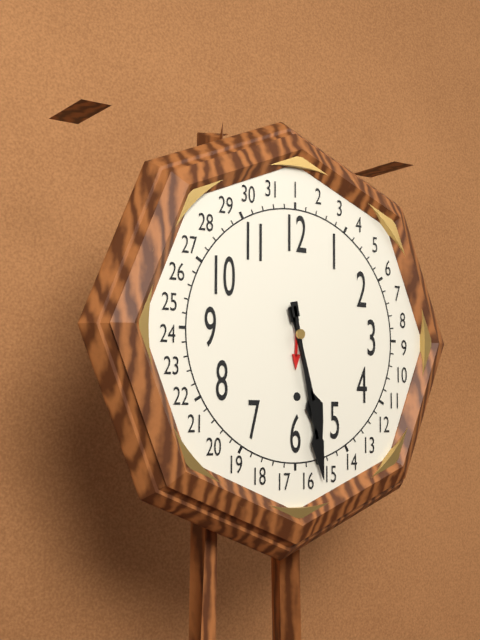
h=5 m=28
